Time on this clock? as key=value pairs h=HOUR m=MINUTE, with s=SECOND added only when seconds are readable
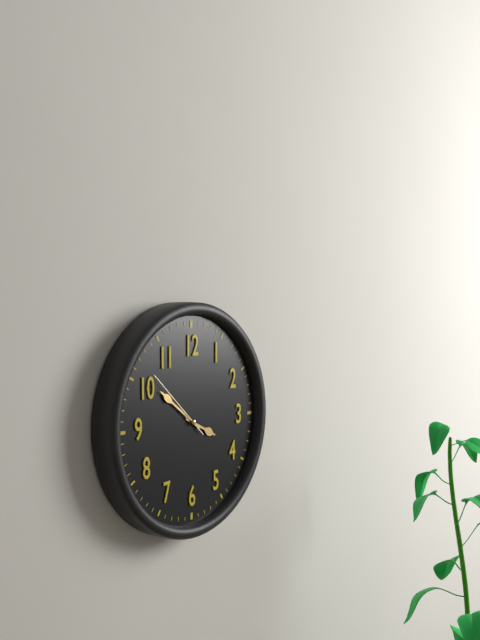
h=3 m=51 s=52
